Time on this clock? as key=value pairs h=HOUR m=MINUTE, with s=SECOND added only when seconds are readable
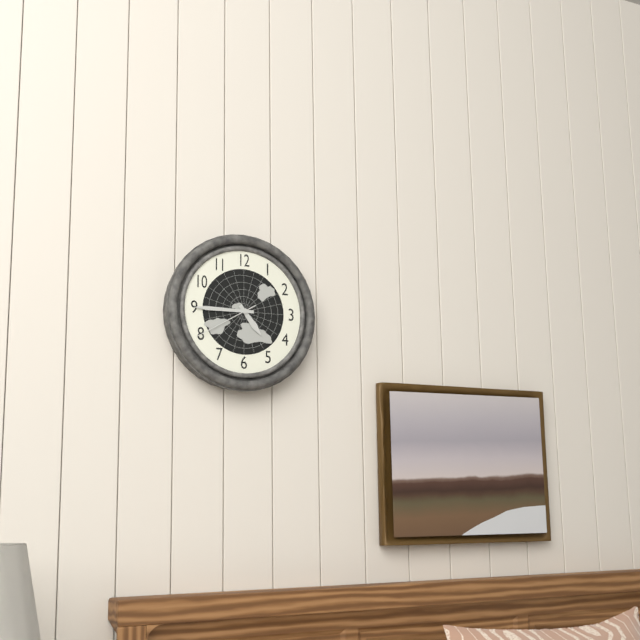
h=4 m=45 s=40
